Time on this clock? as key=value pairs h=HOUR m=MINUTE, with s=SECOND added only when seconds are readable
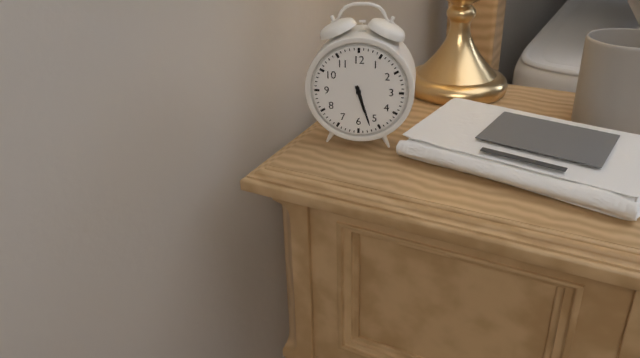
h=5 m=27
